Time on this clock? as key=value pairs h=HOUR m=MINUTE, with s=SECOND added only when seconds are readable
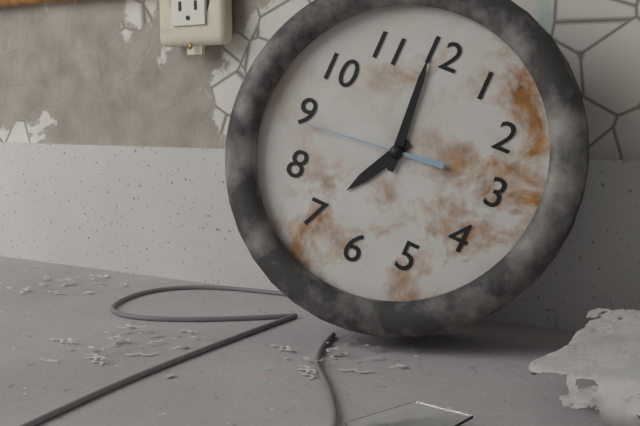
h=6 m=59 s=44
